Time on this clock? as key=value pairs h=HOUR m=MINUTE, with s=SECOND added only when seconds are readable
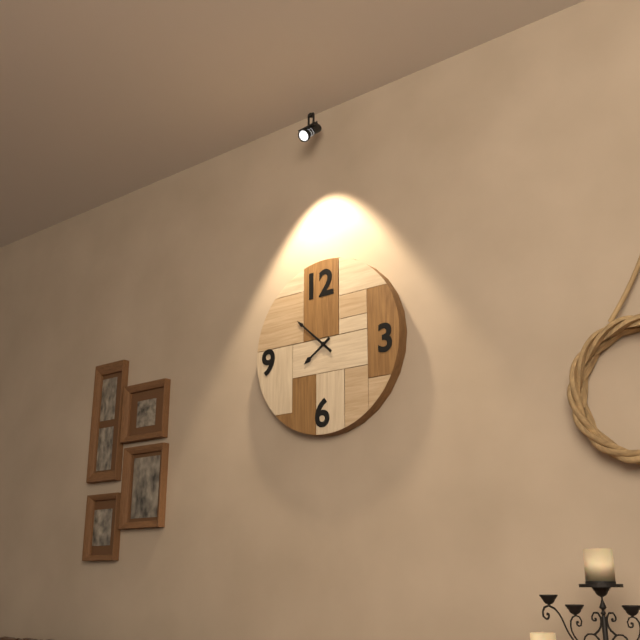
h=7 m=52
